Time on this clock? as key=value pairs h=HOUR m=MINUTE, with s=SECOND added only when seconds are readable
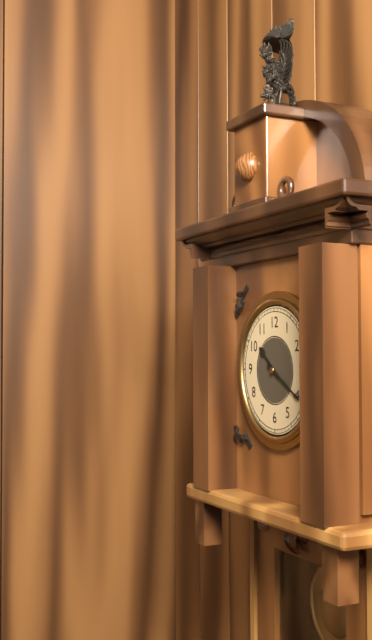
h=10 m=20
